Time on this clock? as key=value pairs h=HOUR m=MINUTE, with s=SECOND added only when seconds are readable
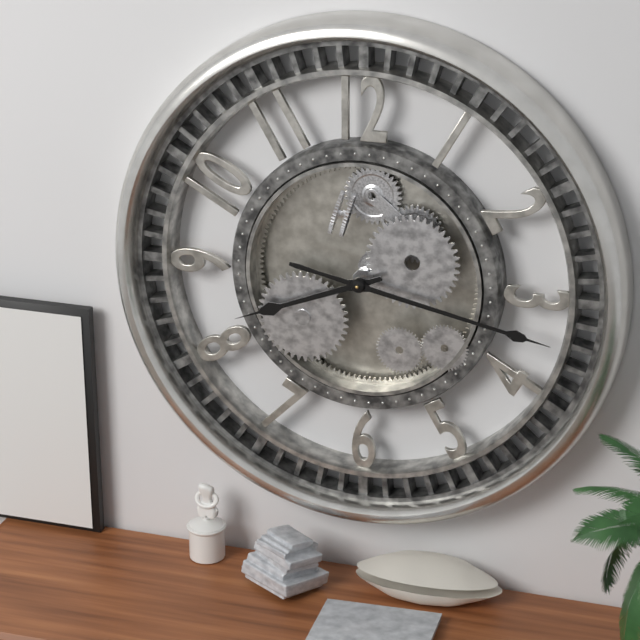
h=8 m=17
